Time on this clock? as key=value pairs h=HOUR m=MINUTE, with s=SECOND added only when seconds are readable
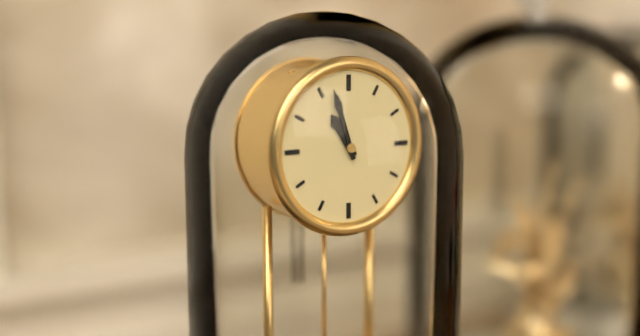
h=10 m=57
